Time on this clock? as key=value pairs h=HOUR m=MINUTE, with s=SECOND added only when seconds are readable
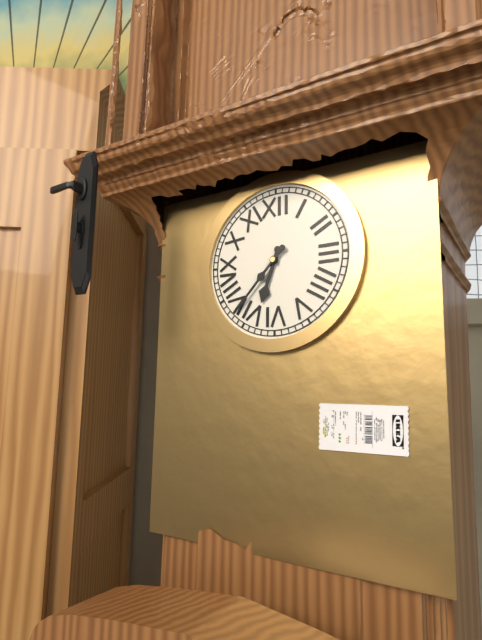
h=6 m=37
